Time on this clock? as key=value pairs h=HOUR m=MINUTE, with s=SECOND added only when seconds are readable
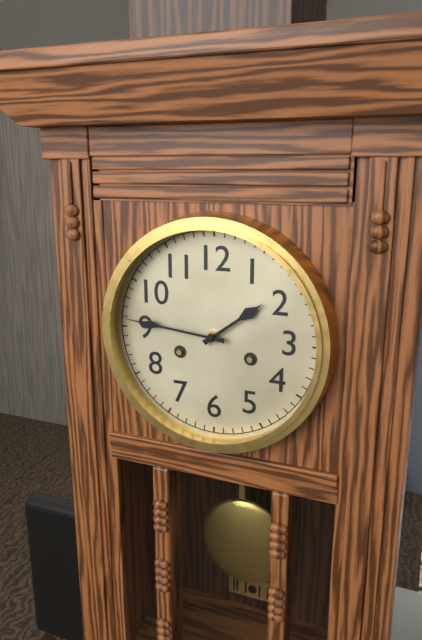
h=1 m=46
